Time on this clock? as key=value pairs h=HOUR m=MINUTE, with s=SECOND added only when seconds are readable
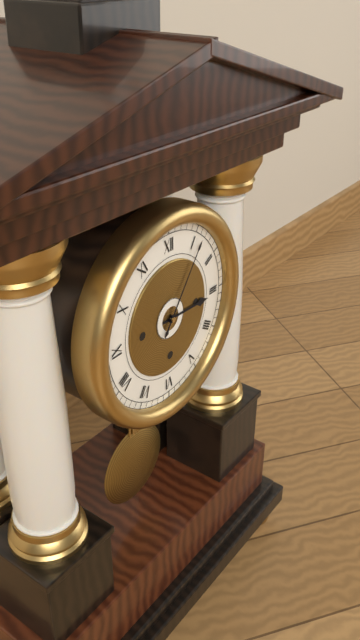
h=3 m=6
